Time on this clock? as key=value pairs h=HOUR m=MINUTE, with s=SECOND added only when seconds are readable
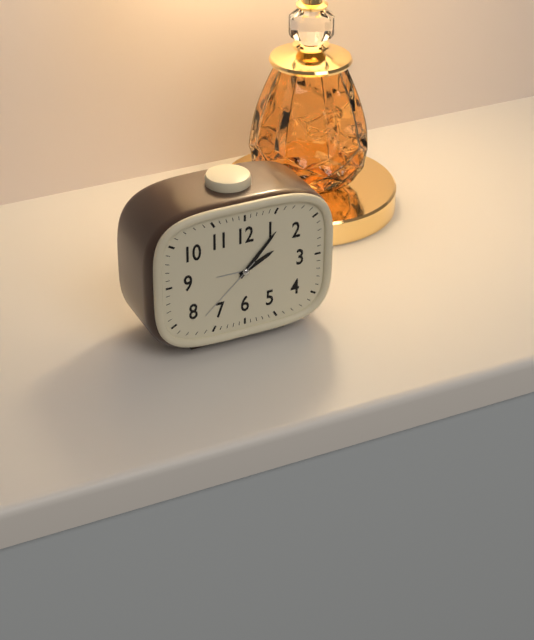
h=2 m=7 s=38
